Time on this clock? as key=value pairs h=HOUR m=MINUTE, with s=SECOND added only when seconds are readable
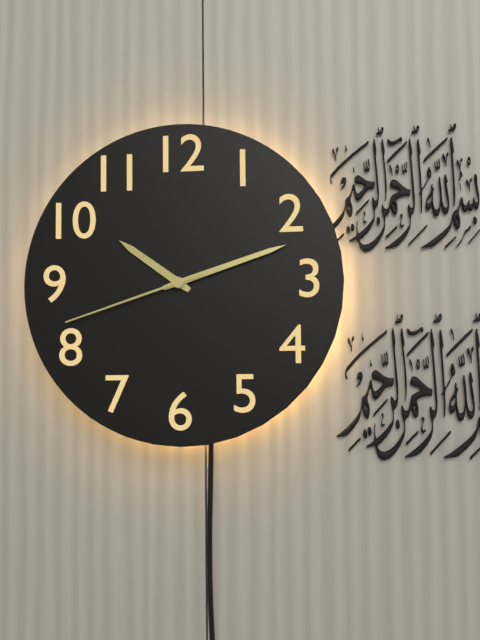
h=10 m=12 s=42
